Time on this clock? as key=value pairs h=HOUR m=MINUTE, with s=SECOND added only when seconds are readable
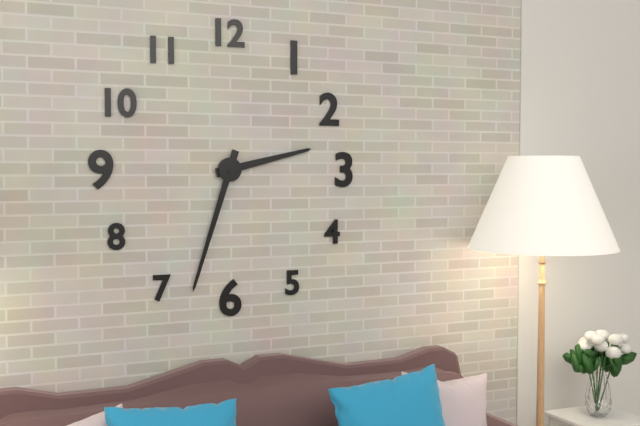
h=2 m=33
